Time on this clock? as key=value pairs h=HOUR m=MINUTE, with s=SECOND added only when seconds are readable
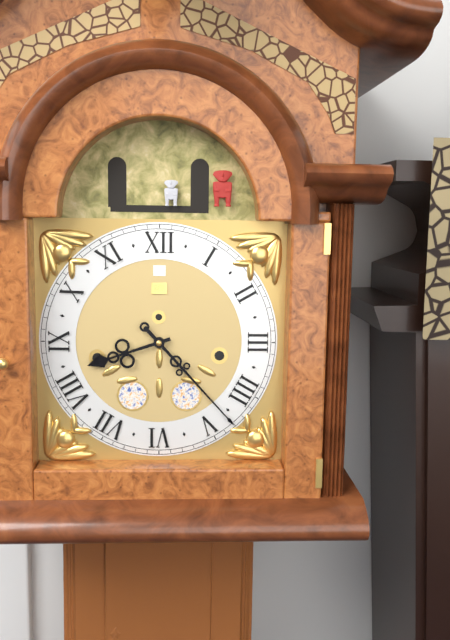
h=8 m=23
